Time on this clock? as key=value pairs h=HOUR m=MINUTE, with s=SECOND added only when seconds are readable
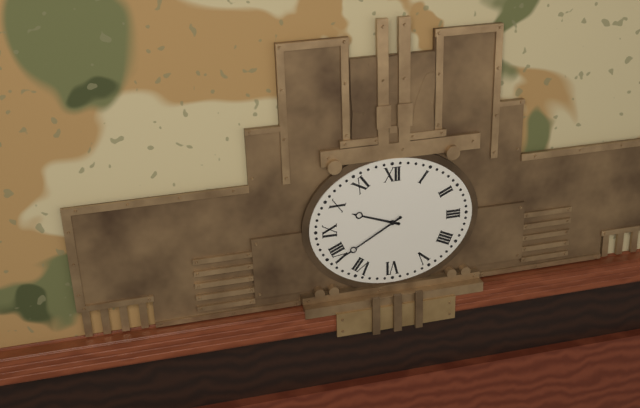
h=9 m=40
